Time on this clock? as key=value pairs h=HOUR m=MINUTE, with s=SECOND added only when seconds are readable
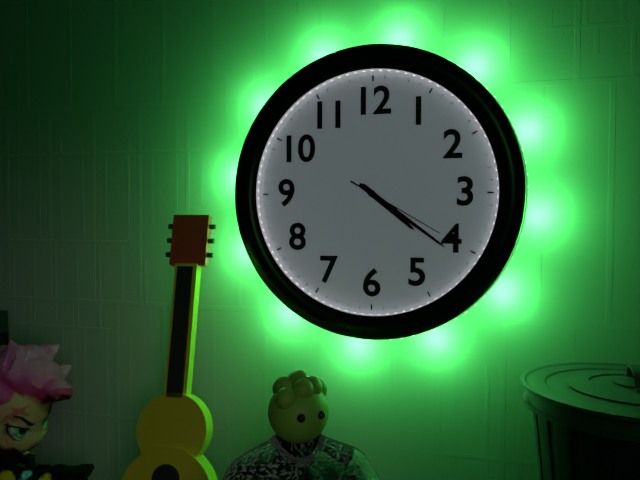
h=4 m=21 s=20
